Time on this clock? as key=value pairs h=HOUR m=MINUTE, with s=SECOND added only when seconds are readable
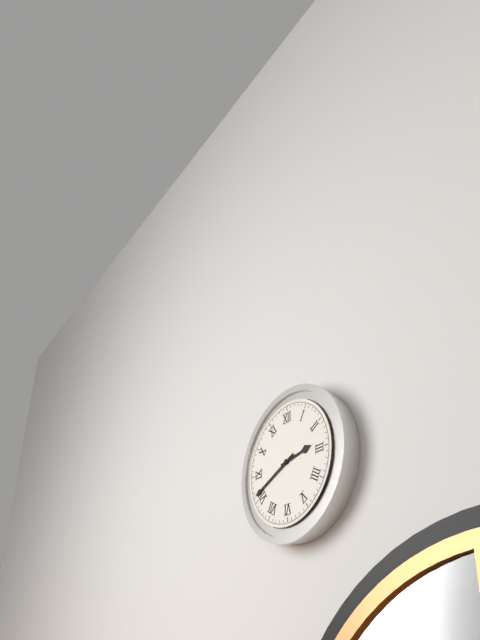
h=2 m=41
